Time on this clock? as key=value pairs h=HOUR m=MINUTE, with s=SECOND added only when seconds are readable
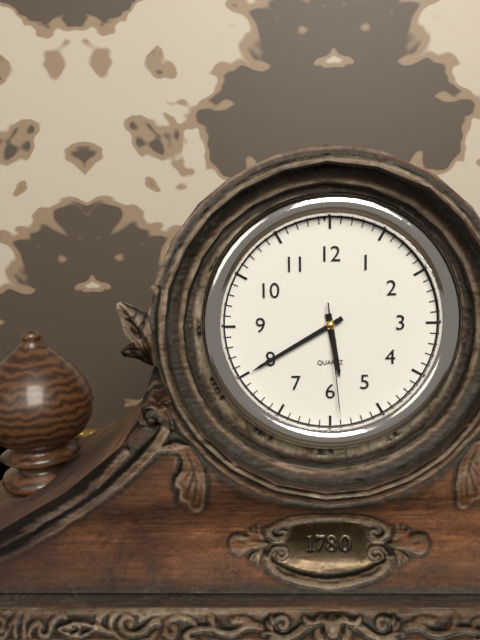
h=5 m=40 s=29
